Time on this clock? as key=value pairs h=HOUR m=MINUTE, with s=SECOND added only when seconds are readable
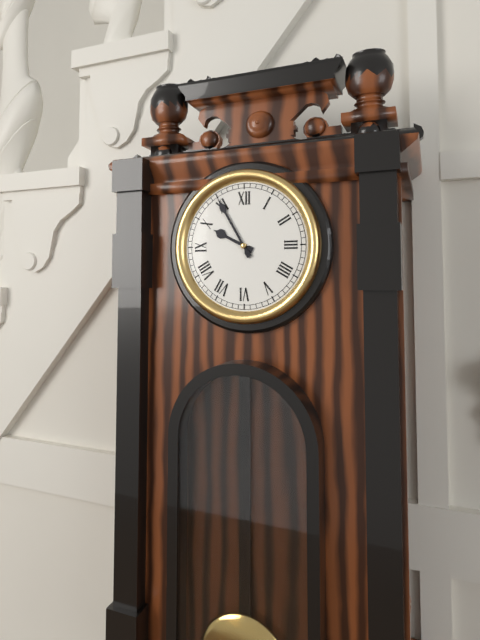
h=9 m=55
